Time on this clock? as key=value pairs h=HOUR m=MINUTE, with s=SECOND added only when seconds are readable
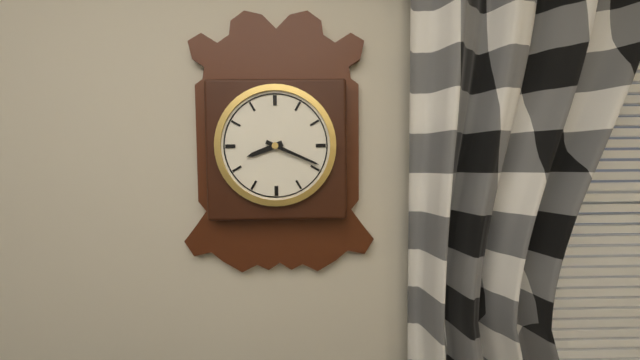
h=8 m=19
